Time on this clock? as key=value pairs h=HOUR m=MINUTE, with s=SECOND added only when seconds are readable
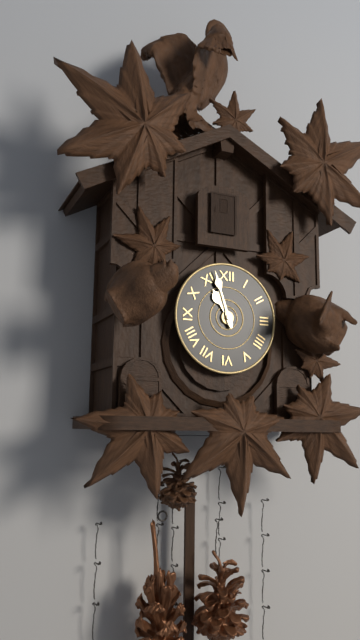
h=10 m=57
